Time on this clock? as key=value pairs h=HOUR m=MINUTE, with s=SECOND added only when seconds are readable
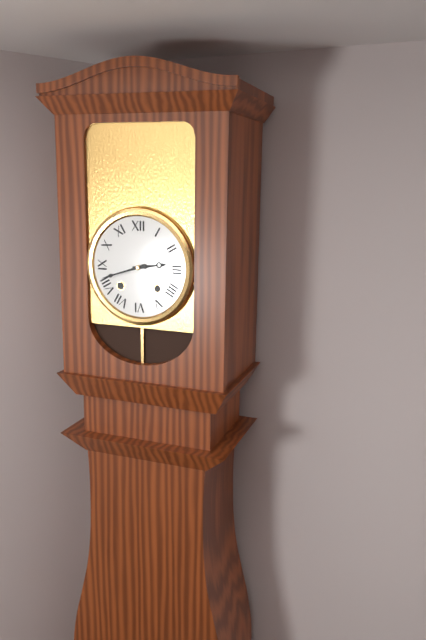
h=2 m=42
